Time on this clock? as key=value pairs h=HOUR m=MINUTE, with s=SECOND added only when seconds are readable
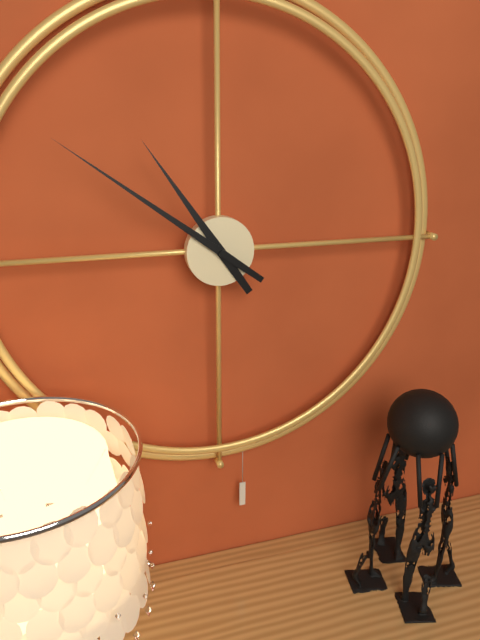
h=10 m=51
